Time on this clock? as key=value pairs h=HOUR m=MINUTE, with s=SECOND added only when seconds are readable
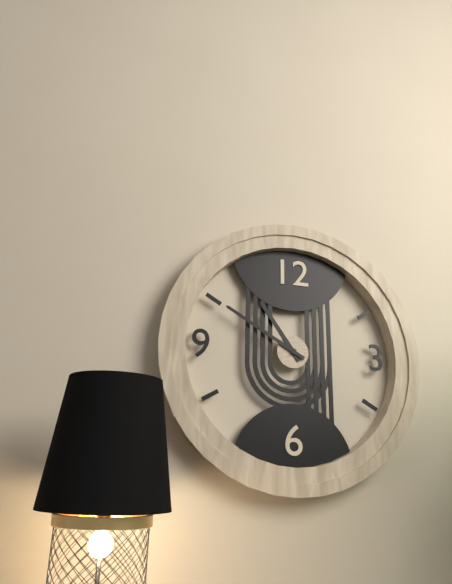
h=10 m=50
